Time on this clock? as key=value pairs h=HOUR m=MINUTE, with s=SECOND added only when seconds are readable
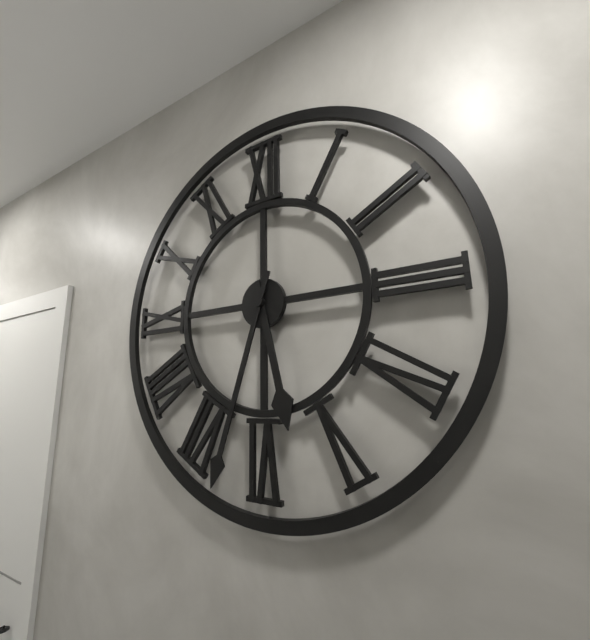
h=5 m=33
